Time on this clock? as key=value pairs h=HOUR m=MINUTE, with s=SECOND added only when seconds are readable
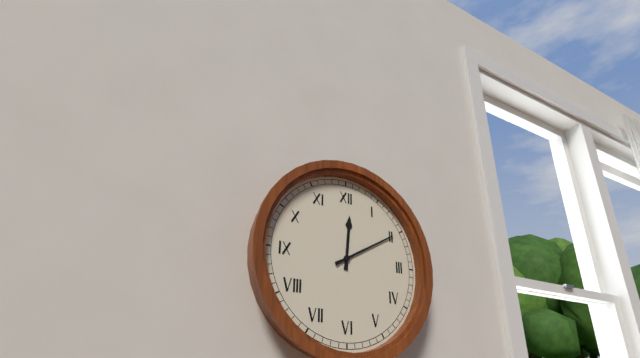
h=12 m=10
